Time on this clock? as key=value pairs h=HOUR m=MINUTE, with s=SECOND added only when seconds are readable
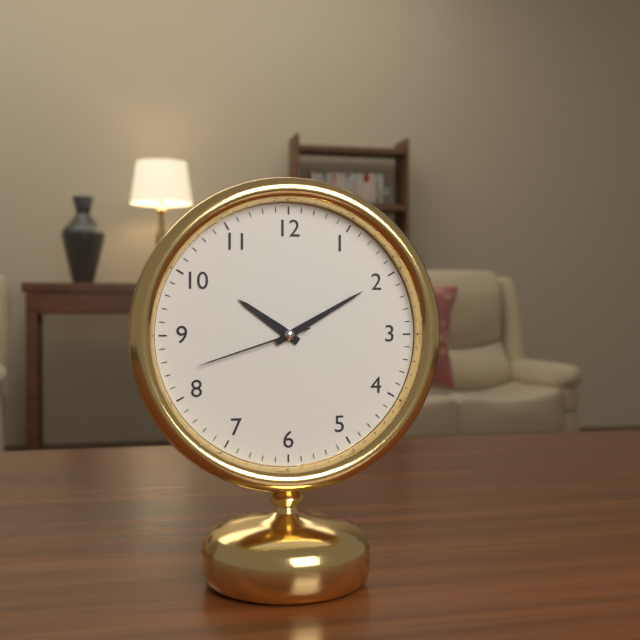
h=10 m=10 s=42
